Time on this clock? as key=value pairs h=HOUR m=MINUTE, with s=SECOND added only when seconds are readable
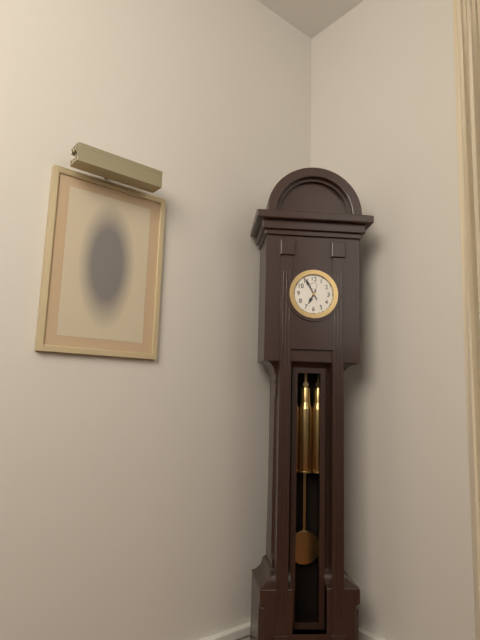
h=6 m=55
